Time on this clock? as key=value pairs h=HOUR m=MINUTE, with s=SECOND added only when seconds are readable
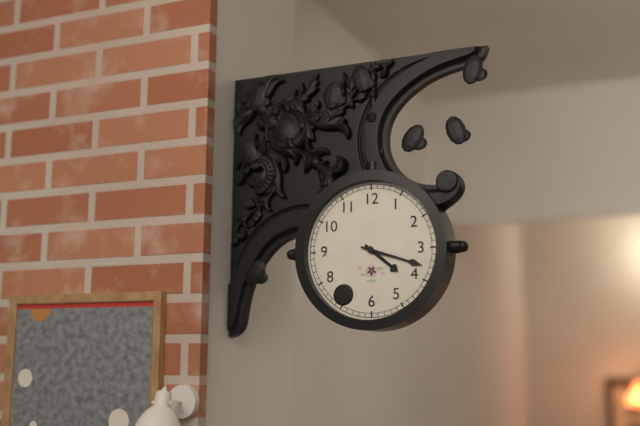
h=4 m=18
